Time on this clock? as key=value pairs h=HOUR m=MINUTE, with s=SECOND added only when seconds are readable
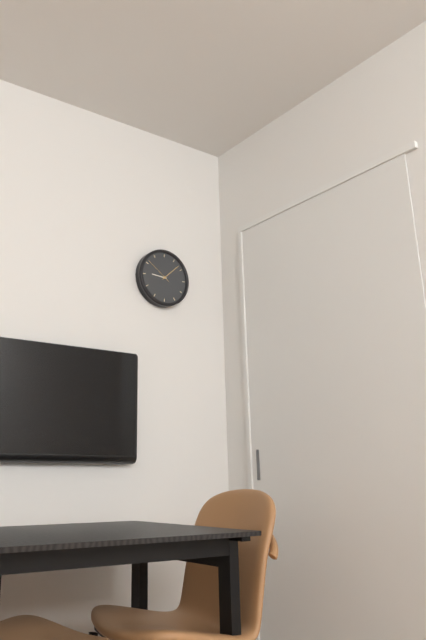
h=9 m=8
